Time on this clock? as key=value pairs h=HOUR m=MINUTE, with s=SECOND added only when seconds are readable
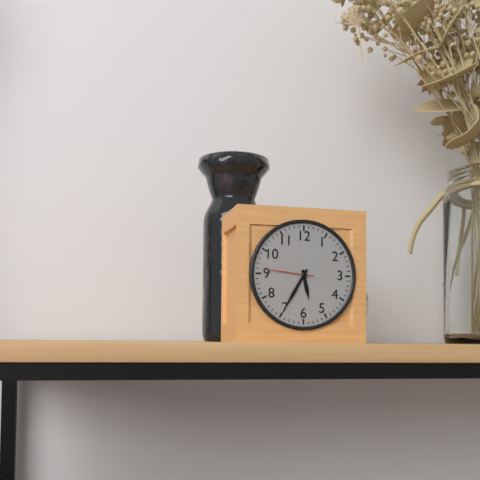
h=5 m=35 s=46
